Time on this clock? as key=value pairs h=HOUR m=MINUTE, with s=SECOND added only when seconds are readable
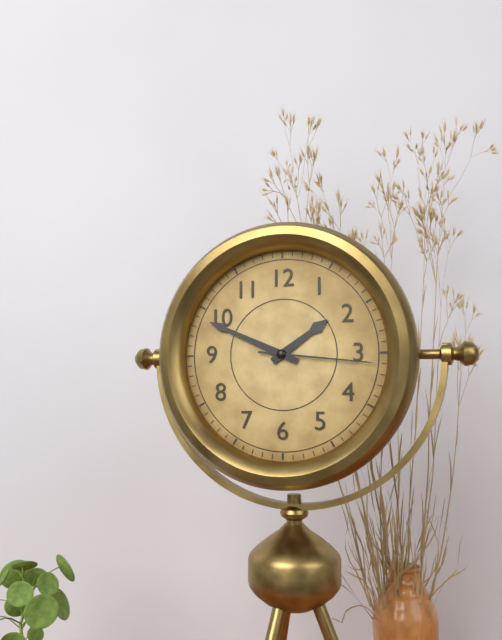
h=1 m=49 s=16
